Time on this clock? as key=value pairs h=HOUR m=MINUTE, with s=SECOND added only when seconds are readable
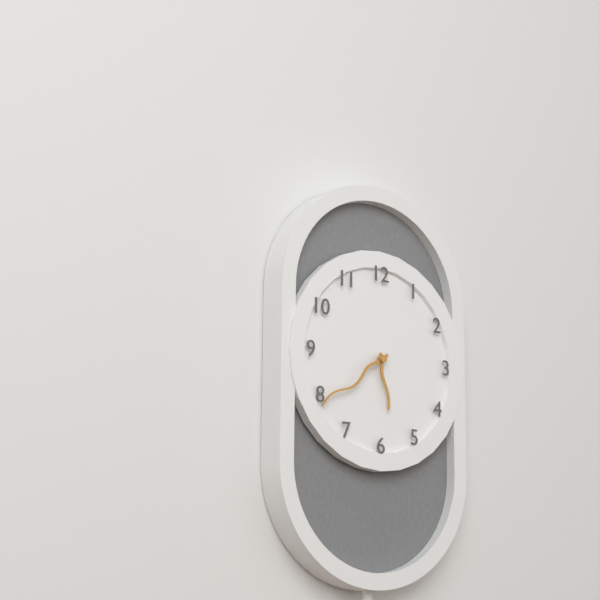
h=5 m=39
